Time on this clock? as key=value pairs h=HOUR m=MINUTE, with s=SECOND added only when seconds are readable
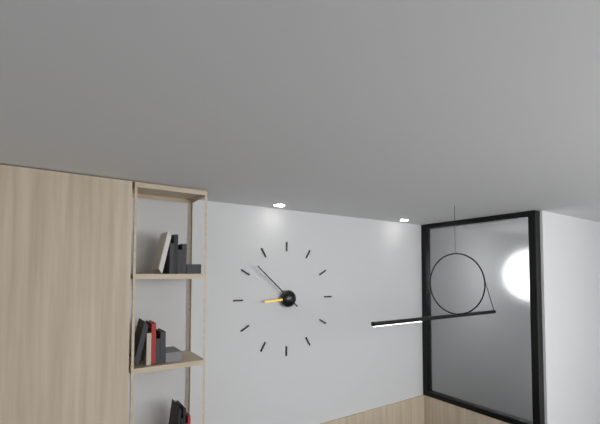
h=8 m=52
